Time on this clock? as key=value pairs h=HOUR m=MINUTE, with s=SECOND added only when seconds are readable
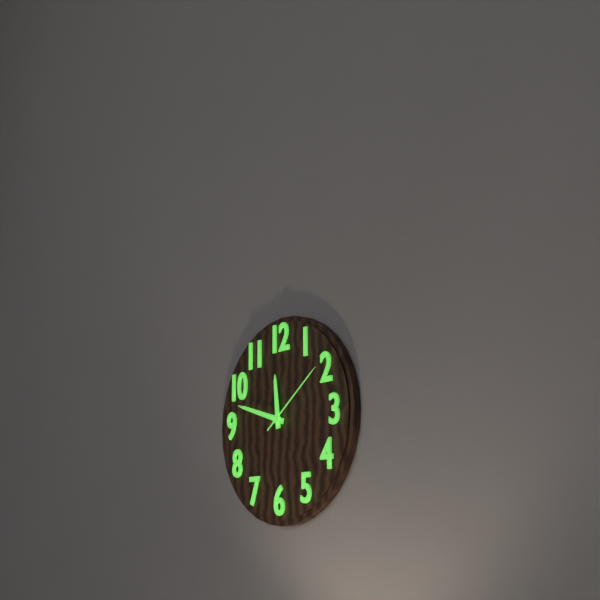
h=11 m=48 s=9
